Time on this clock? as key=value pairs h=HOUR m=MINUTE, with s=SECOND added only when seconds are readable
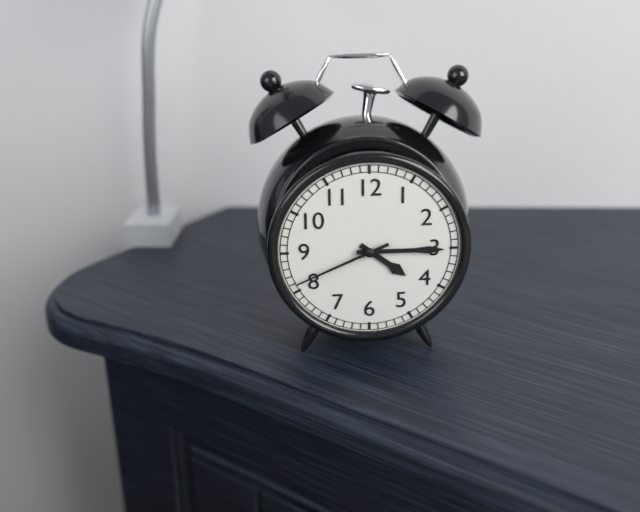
h=4 m=15 s=41
